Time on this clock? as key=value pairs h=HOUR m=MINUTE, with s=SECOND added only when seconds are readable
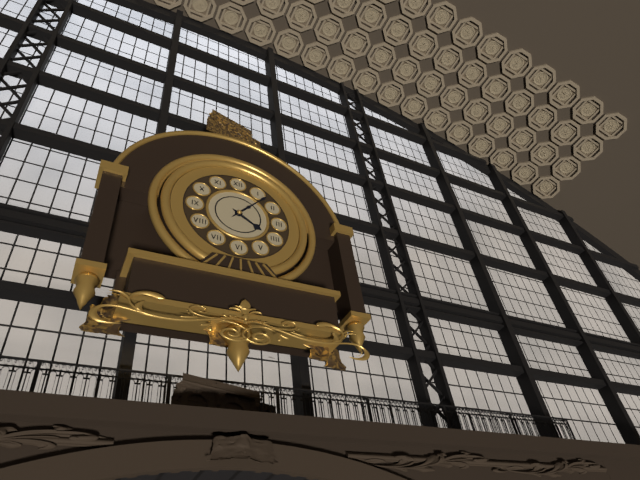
h=4 m=7
